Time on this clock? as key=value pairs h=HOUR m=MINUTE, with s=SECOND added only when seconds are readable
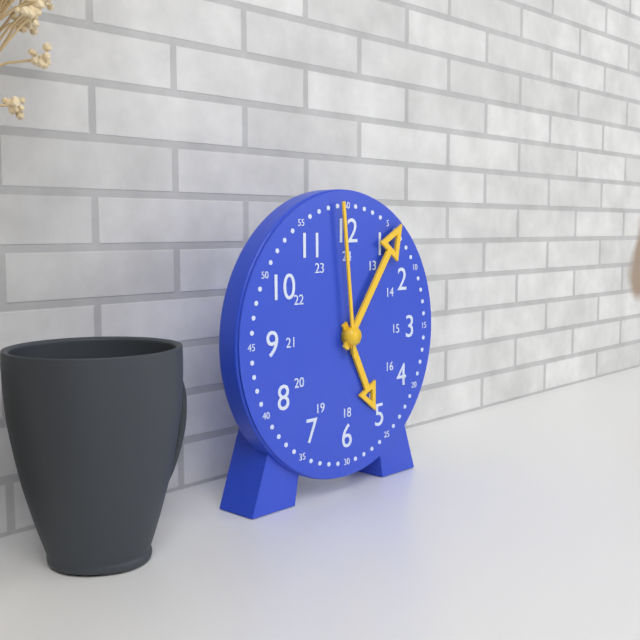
h=5 m=6 s=59
